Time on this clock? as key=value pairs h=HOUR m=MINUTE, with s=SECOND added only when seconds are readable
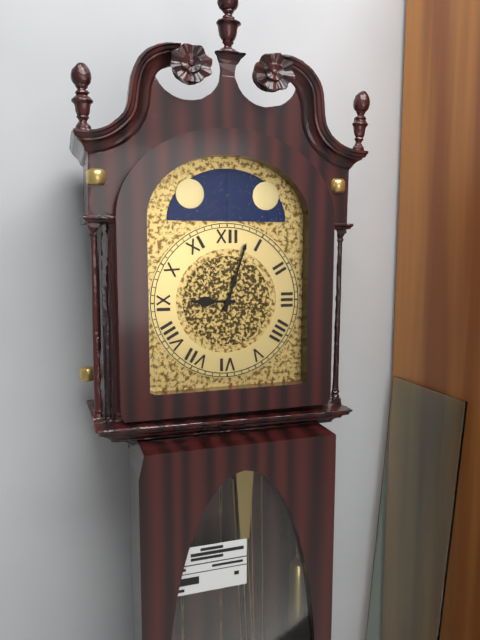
h=9 m=3
